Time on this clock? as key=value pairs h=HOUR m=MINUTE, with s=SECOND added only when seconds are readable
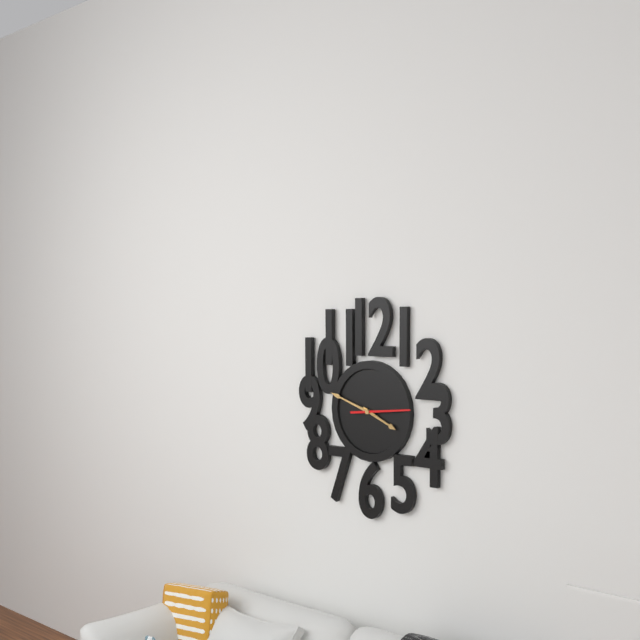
h=3 m=48
